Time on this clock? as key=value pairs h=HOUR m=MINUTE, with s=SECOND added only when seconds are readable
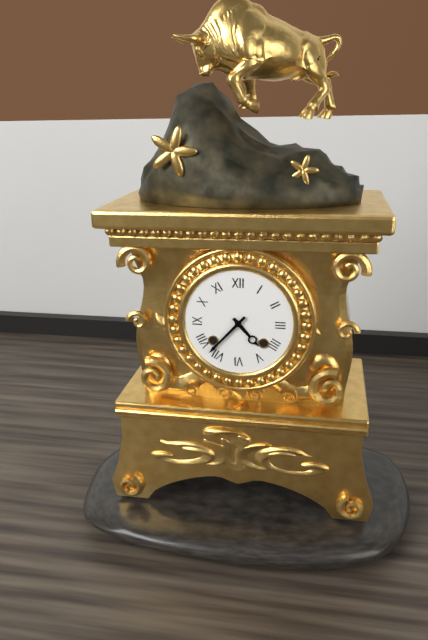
h=4 m=37
